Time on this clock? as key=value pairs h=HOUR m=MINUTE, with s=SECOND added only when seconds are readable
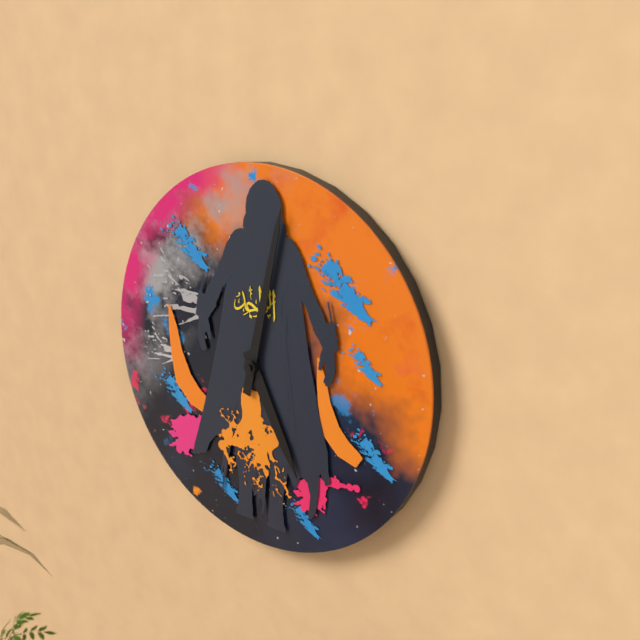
h=5 m=2
